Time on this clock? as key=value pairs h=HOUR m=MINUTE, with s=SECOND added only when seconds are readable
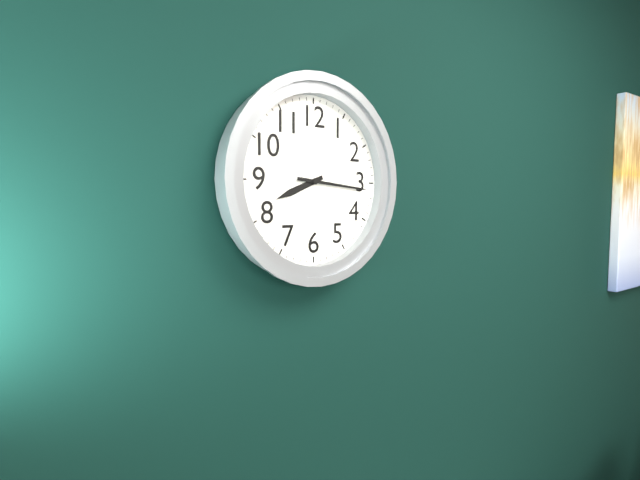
h=8 m=16
